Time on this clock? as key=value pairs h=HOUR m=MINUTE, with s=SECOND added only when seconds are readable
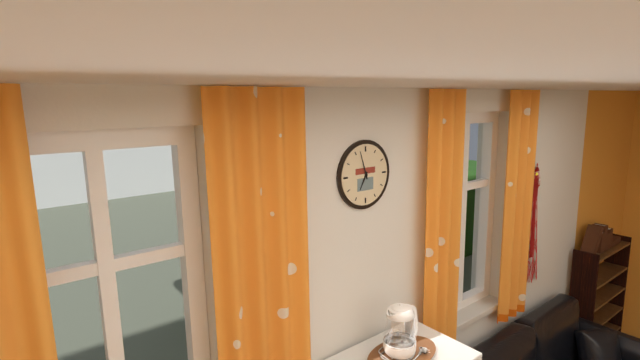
h=6 m=57
